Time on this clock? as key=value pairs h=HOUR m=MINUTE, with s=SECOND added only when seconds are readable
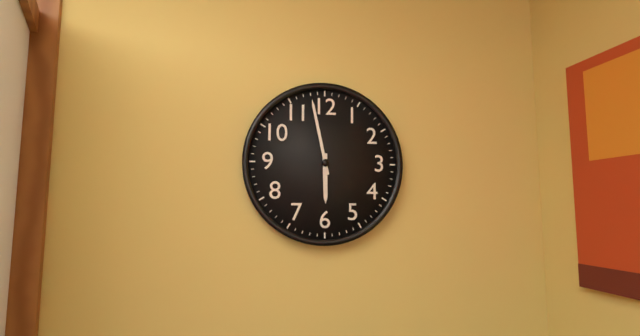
h=5 m=58
